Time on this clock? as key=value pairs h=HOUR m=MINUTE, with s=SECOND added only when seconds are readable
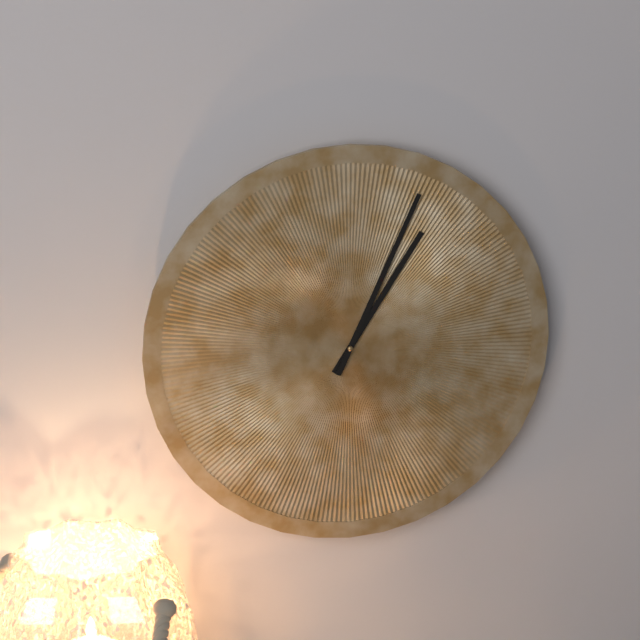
h=1 m=4
